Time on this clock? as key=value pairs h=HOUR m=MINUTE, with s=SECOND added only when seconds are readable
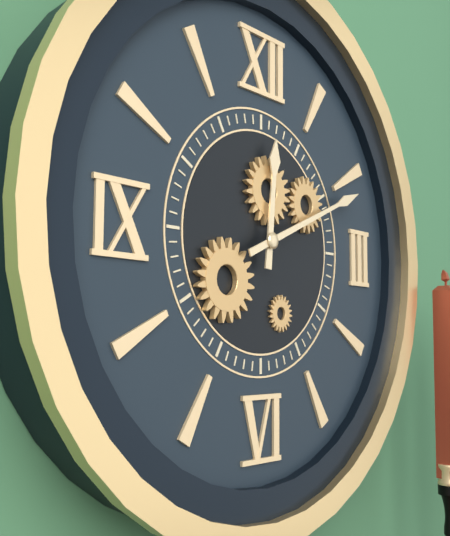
h=12 m=11
